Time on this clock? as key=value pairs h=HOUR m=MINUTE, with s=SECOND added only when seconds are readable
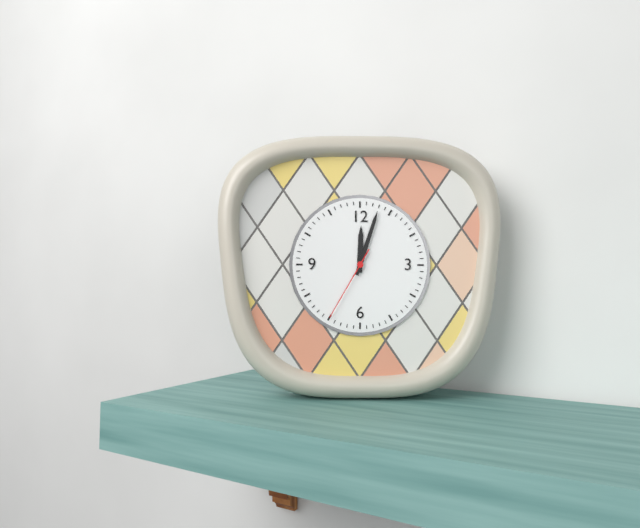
h=12 m=3 s=35
